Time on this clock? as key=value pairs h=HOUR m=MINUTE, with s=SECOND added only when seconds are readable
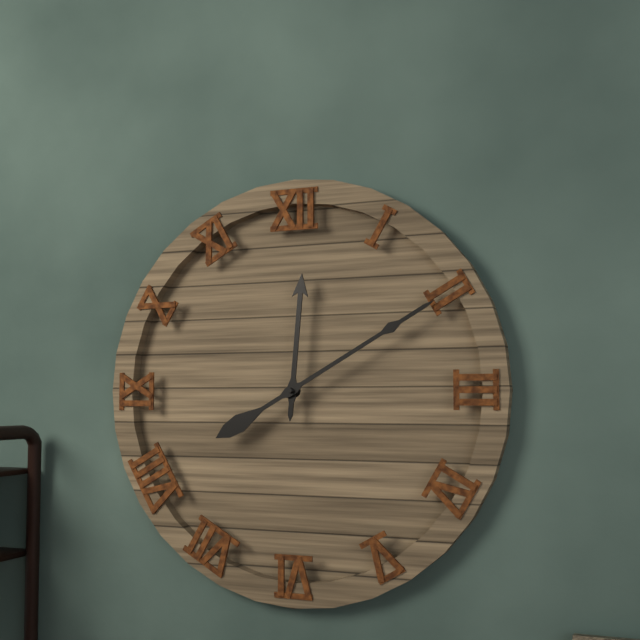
h=12 m=10
